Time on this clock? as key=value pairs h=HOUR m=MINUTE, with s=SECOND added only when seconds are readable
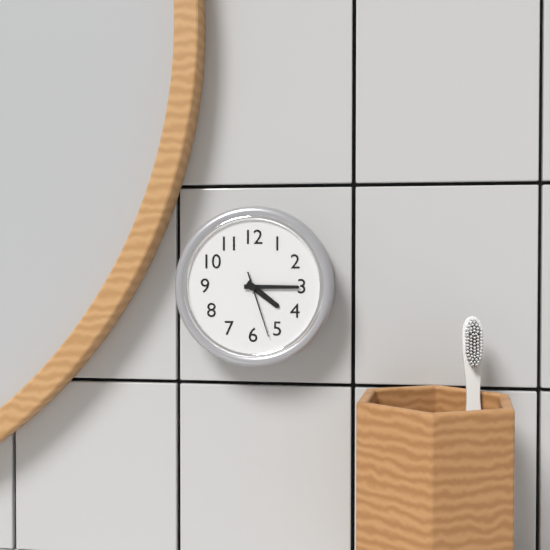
h=4 m=15 s=27
